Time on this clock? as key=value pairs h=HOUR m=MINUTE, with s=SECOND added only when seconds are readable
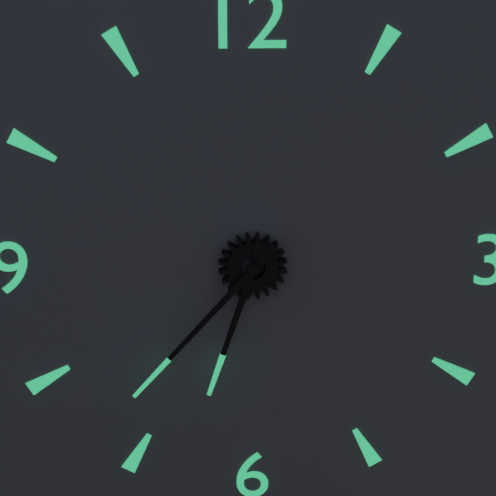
h=6 m=37
